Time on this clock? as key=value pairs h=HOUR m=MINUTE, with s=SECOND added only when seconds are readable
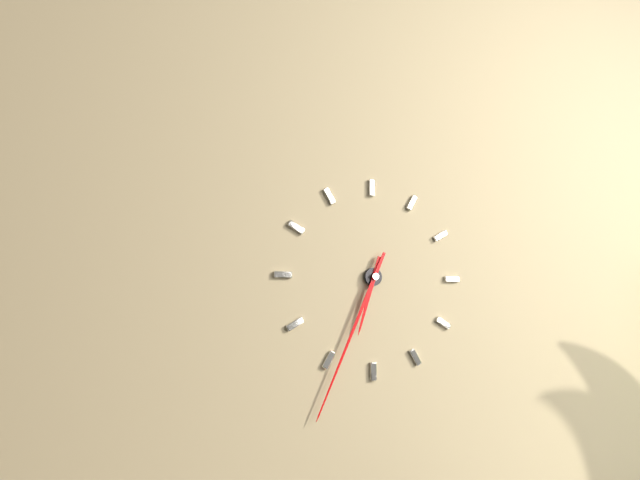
h=6 m=34
